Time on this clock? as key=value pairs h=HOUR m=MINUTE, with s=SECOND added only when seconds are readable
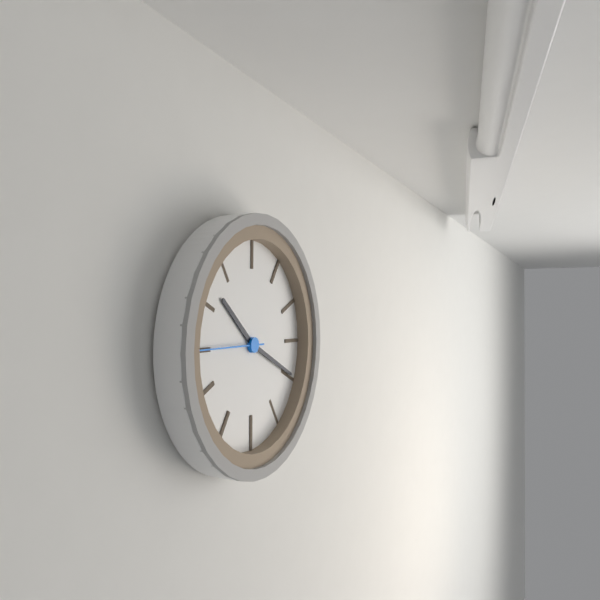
h=10 m=19 s=45
